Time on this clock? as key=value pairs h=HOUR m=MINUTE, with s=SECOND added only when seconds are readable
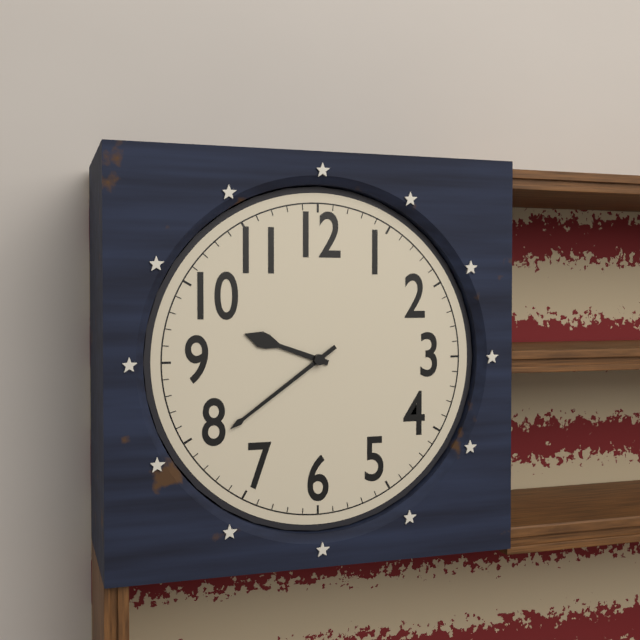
h=9 m=39
